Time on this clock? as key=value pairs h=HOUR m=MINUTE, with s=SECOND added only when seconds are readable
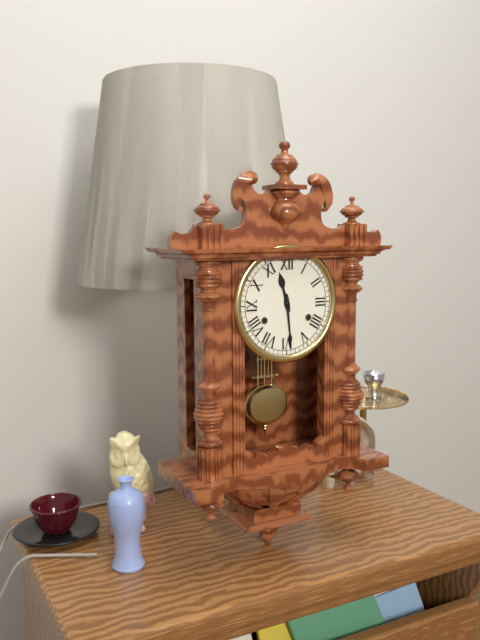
h=11 m=29
